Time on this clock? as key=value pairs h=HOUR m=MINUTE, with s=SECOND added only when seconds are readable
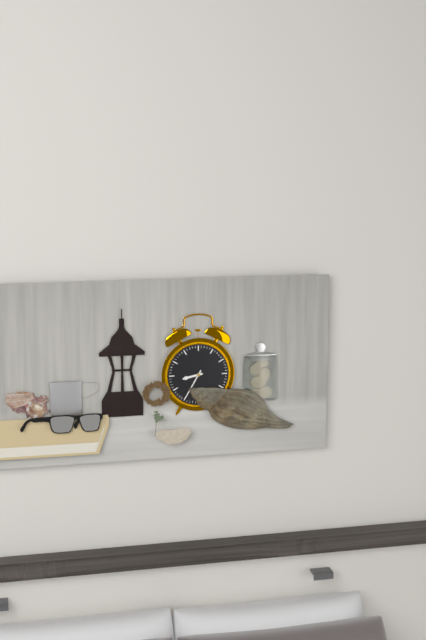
h=8 m=35
